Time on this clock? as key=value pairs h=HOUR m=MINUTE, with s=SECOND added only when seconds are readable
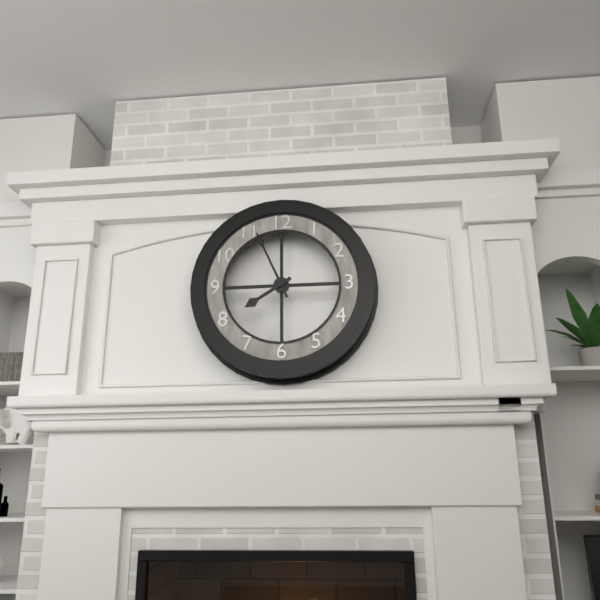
h=7 m=56
